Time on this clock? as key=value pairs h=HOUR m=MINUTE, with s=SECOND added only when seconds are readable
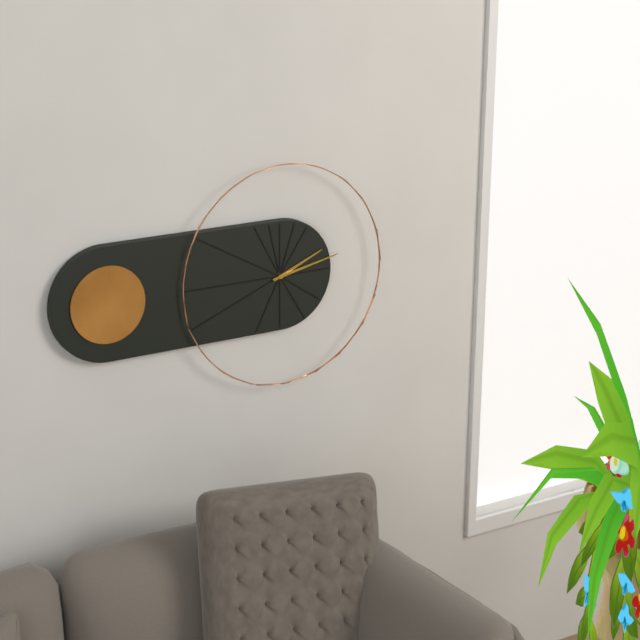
h=2 m=13
